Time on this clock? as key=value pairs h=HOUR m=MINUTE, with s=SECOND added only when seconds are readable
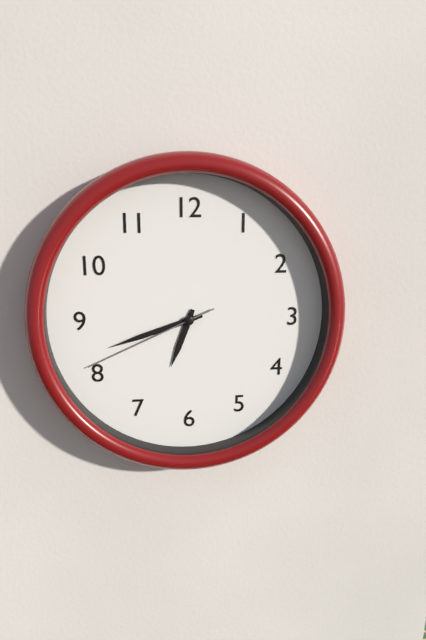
h=6 m=42 s=41
